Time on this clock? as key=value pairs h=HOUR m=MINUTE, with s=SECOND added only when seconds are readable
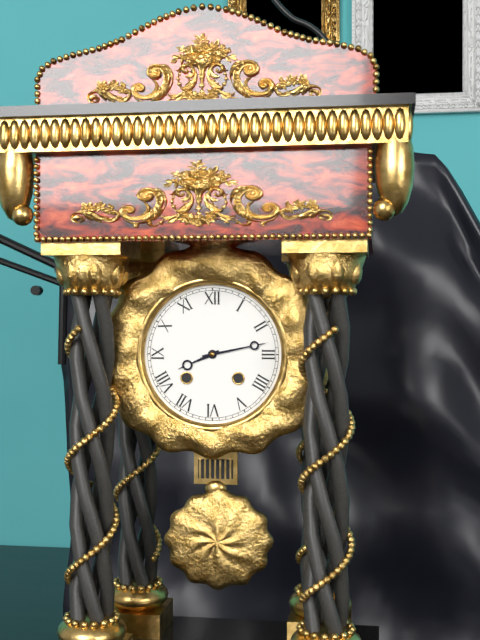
h=8 m=13
